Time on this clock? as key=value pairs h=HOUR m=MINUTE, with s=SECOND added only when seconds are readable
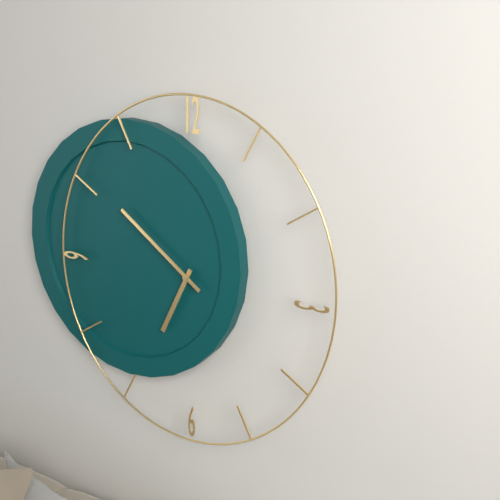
h=6 m=51
